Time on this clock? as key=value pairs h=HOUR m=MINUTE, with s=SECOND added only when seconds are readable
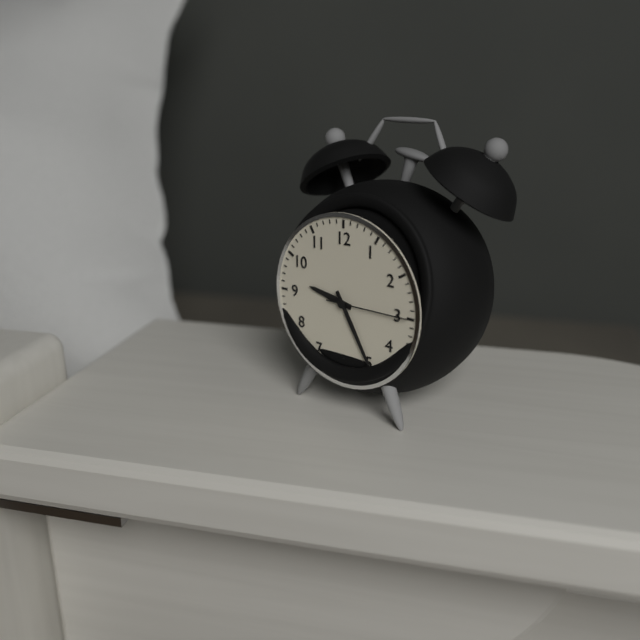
h=9 m=25 s=15
